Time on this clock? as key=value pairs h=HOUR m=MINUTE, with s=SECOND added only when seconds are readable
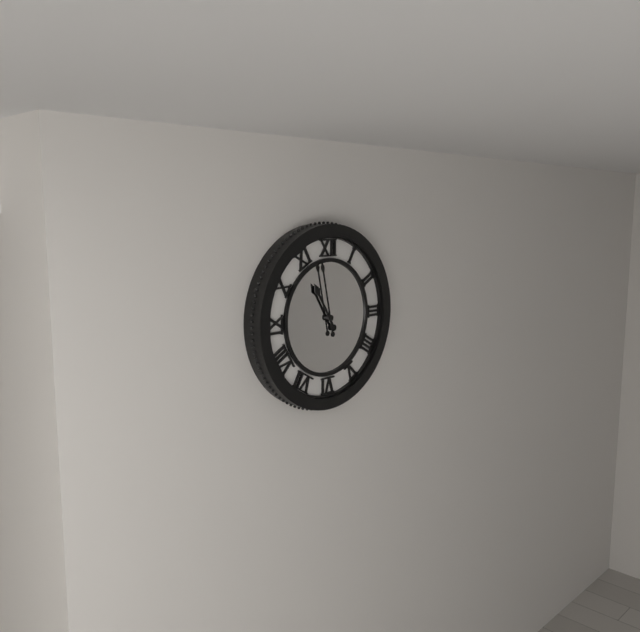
h=10 m=58
